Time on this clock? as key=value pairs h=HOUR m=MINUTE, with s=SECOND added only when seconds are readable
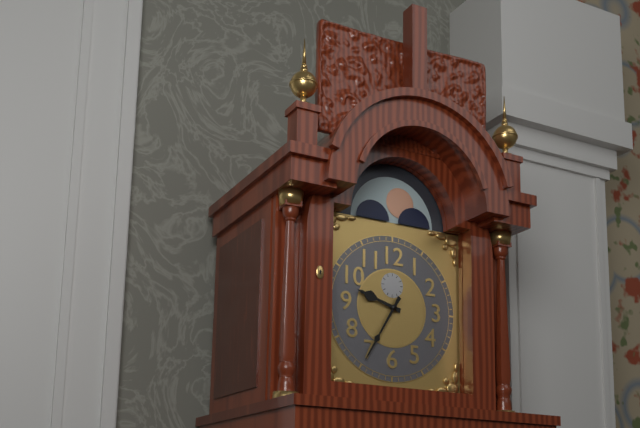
h=9 m=35
